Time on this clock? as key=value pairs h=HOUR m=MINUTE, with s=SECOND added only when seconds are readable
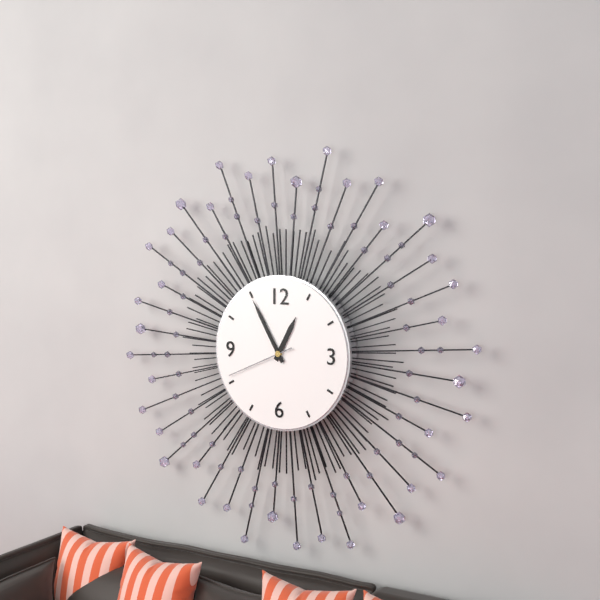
h=12 m=55 s=41
